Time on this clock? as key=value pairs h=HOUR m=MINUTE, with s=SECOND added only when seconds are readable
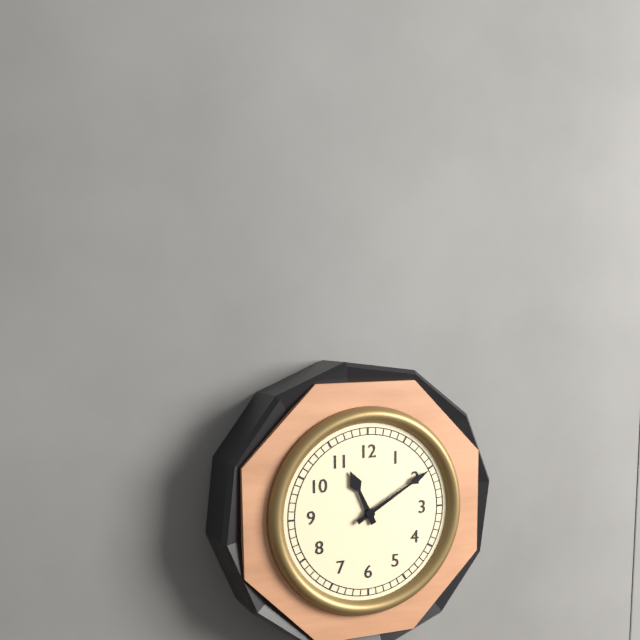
h=11 m=10
